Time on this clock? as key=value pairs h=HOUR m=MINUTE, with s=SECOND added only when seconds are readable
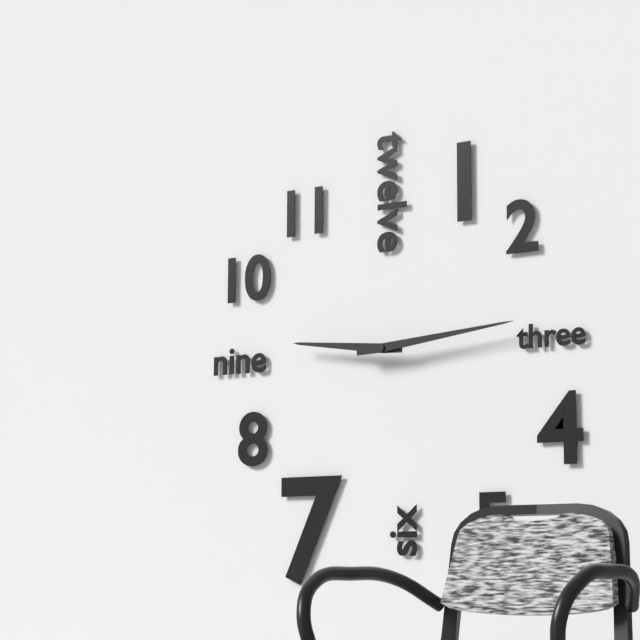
h=9 m=14
